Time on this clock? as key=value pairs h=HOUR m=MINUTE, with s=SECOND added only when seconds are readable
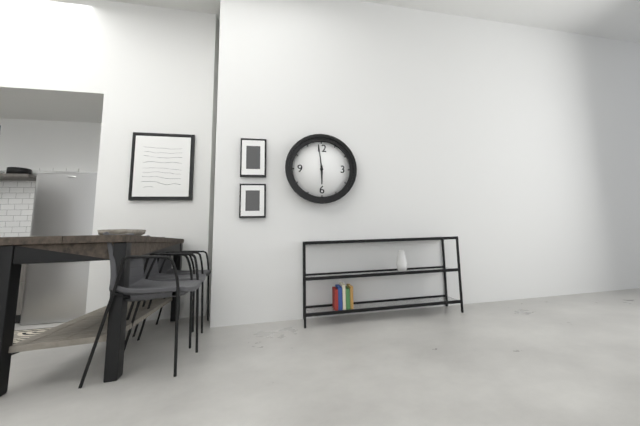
h=5 m=59
